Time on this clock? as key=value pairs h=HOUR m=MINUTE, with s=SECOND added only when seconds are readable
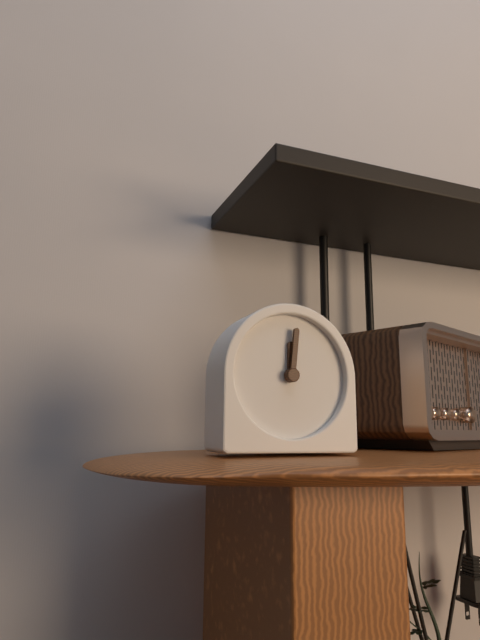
h=12 m=1
